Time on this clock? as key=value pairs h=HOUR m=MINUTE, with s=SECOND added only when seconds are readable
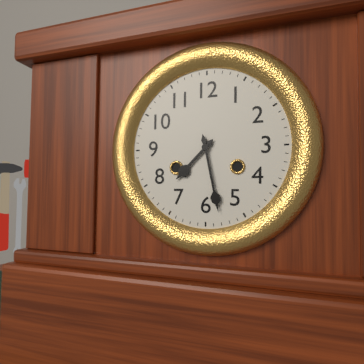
h=7 m=28
